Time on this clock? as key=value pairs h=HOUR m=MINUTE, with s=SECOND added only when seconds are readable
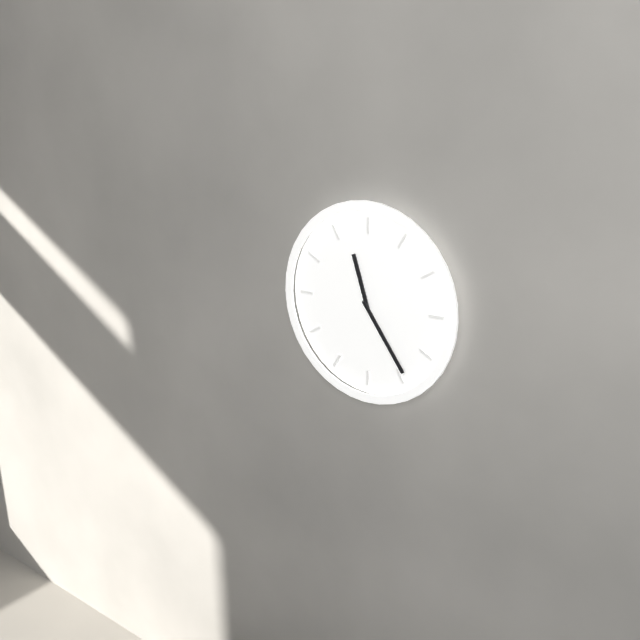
h=11 m=24
